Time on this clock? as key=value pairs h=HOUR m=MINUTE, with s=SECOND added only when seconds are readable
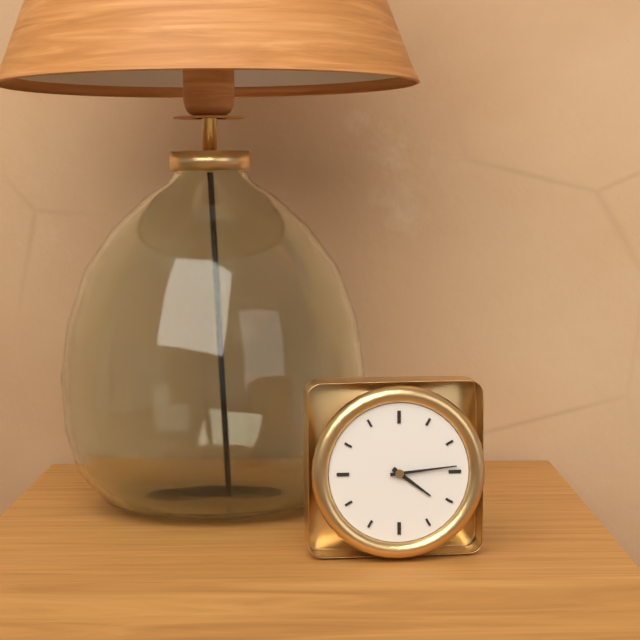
h=4 m=14
